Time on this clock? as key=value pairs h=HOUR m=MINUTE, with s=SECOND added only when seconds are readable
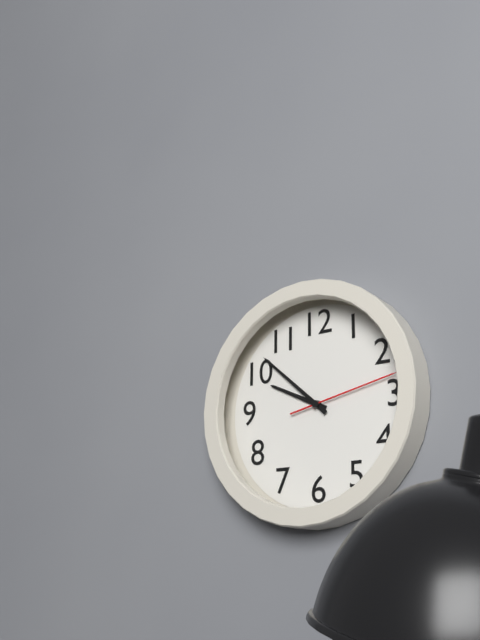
h=9 m=52 s=13
